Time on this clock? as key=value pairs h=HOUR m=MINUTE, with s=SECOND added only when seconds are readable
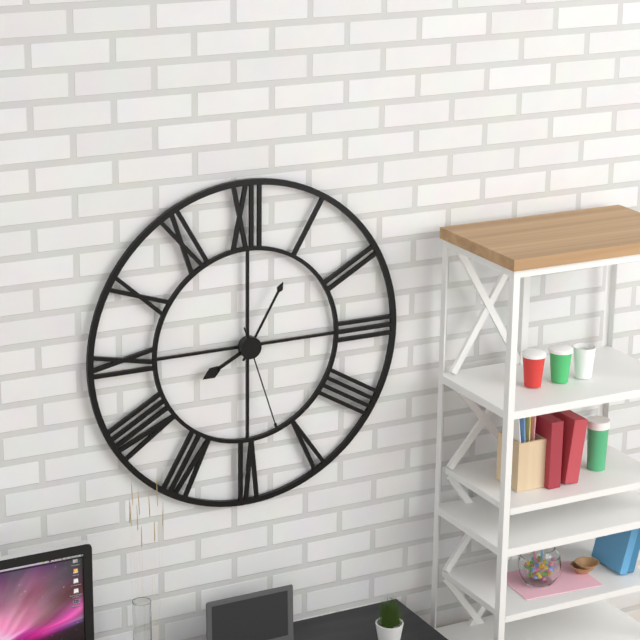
h=8 m=5 s=27
